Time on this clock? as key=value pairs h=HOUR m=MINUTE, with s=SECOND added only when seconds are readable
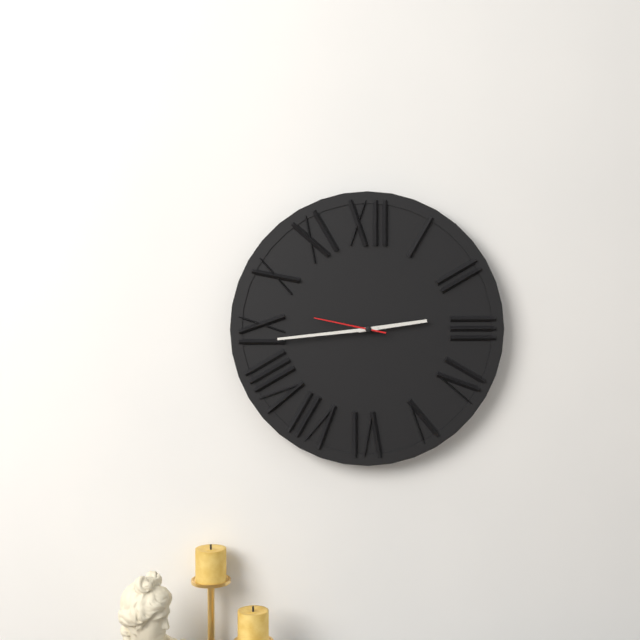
h=2 m=44 s=47
